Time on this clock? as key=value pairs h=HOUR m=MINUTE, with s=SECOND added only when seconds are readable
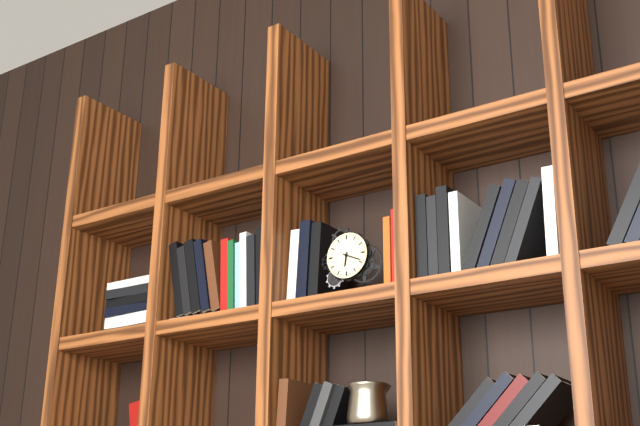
h=6 m=19
